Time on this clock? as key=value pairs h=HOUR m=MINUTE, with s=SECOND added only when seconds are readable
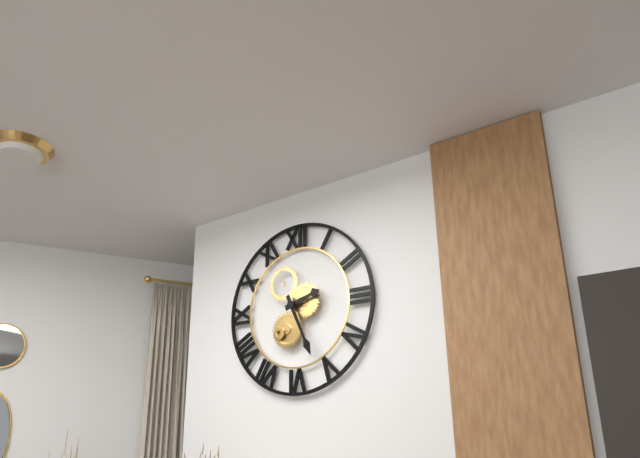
h=2 m=26
